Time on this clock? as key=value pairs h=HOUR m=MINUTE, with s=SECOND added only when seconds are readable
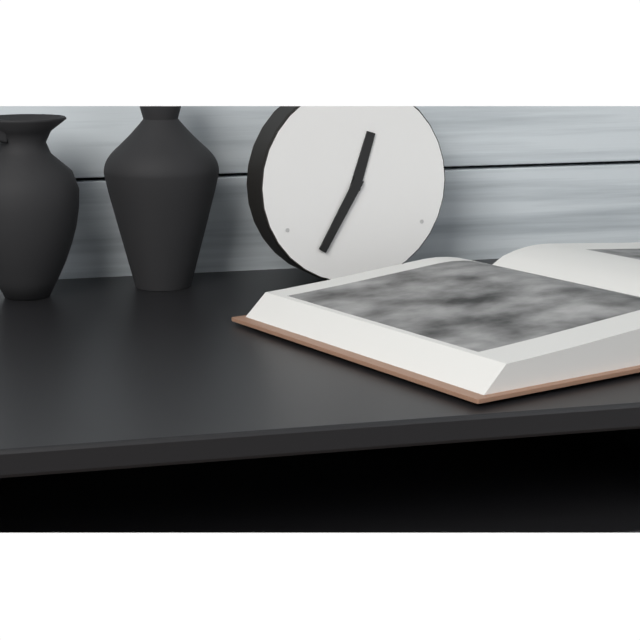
h=12 m=35
